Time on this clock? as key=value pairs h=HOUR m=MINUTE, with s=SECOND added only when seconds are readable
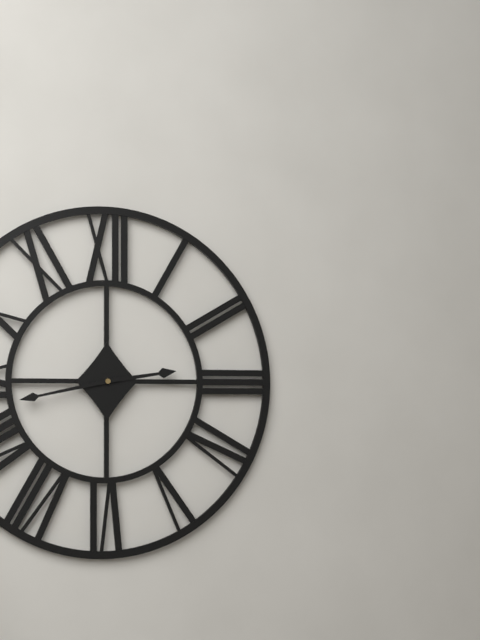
h=2 m=43
